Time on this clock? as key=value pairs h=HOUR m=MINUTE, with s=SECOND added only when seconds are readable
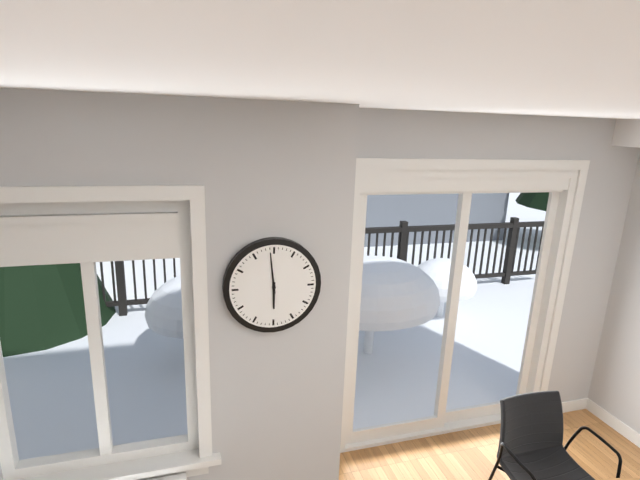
h=5 m=59
